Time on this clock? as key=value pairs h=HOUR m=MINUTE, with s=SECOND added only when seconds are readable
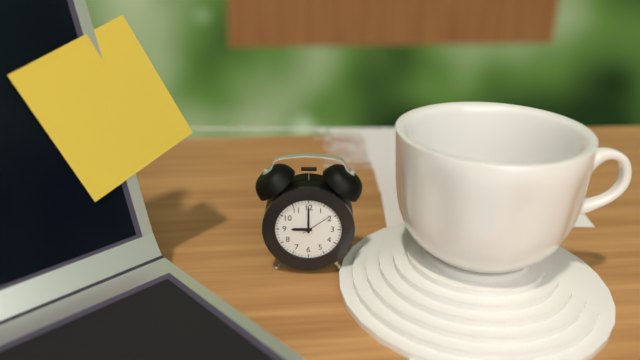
h=9 m=0
